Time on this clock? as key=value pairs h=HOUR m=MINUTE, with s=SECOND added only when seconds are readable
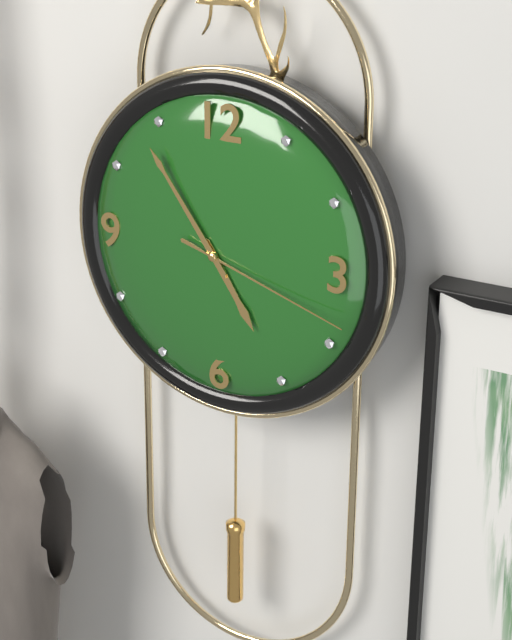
h=4 m=54 s=18
